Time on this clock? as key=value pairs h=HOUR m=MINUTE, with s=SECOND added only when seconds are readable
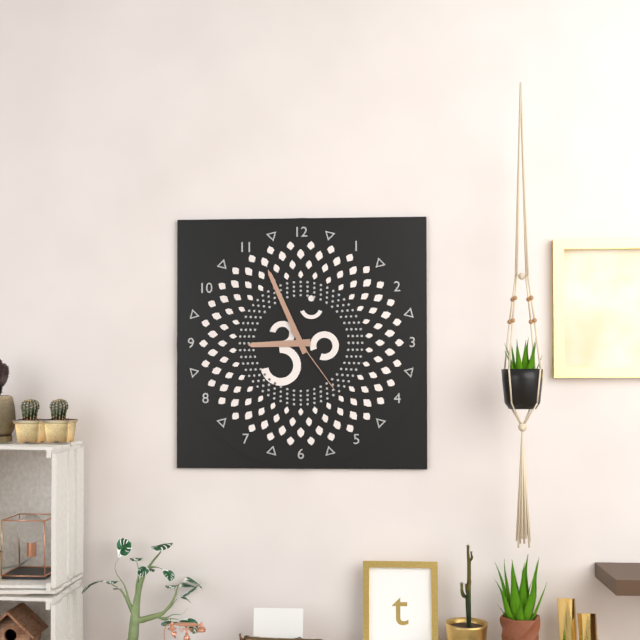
h=8 m=56 s=24
